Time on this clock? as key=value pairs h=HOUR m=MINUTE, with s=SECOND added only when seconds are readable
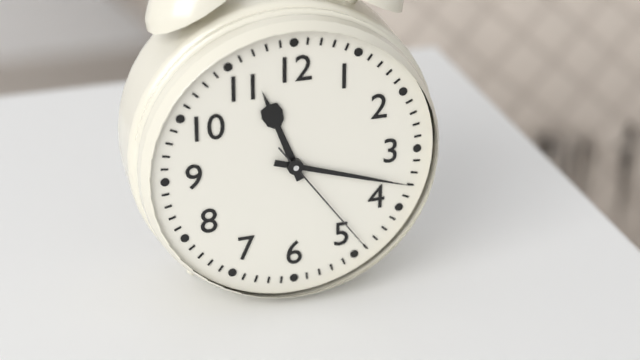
h=11 m=18 s=24
